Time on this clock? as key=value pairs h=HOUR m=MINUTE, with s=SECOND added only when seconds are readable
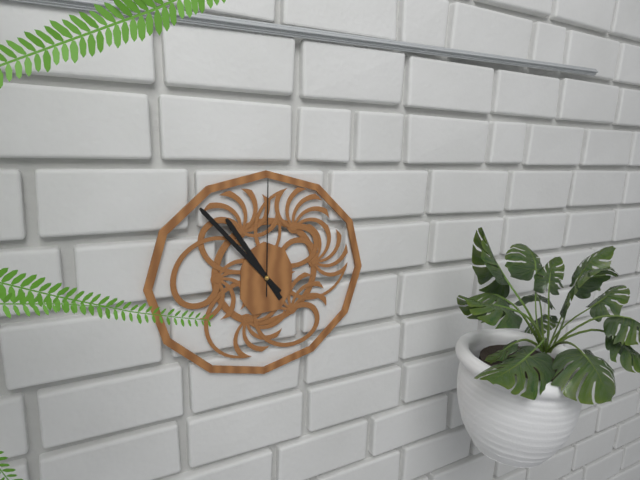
h=10 m=53 s=0
